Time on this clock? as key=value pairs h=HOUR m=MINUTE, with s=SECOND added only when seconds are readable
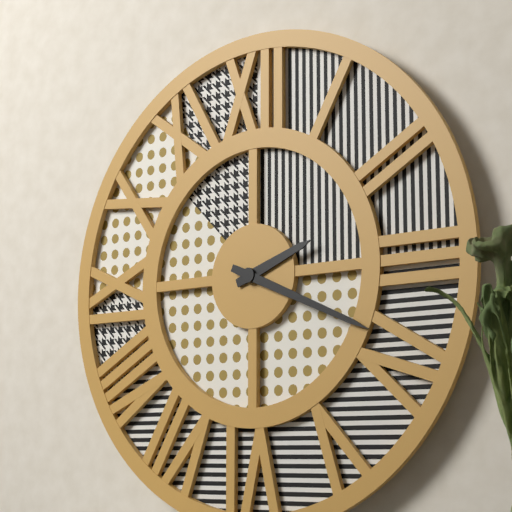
h=2 m=19
